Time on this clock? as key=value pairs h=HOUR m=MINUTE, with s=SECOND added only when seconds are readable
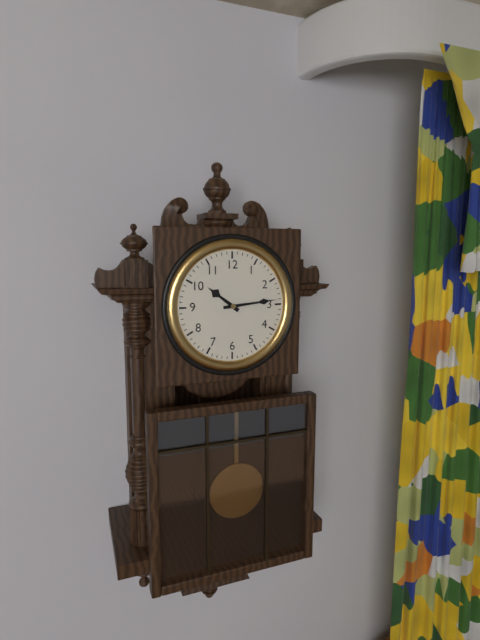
h=10 m=14
